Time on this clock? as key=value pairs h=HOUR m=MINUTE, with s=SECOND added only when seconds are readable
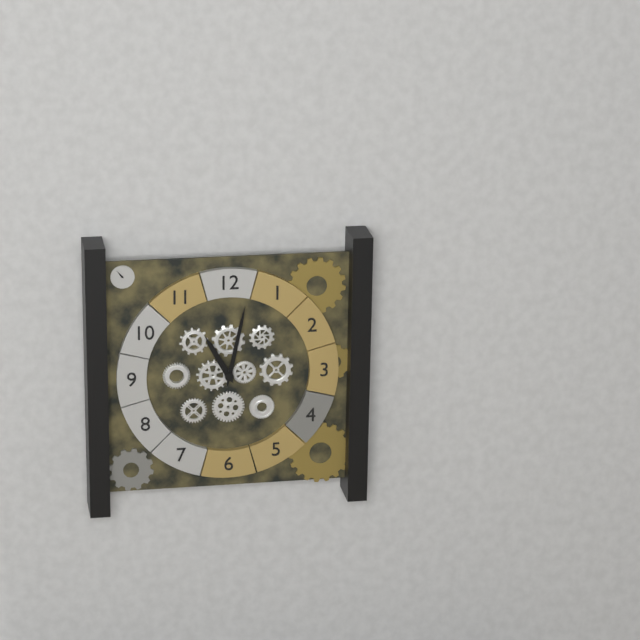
h=11 m=2
